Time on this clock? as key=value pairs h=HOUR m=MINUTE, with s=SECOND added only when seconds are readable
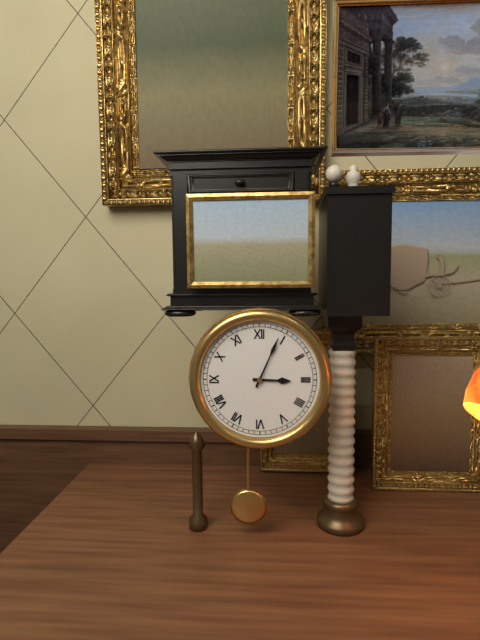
h=3 m=4
